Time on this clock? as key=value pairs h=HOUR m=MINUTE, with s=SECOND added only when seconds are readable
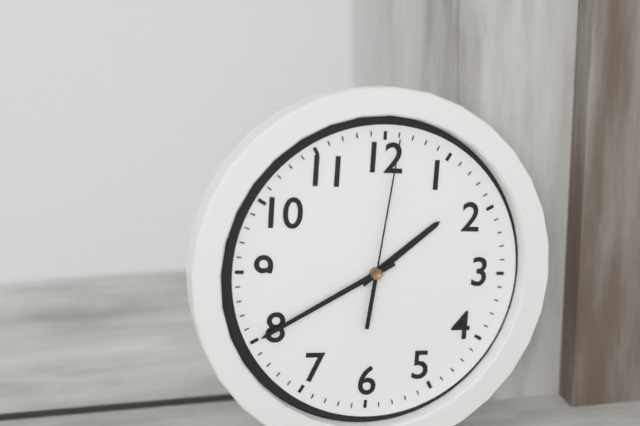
h=1 m=40 s=1
